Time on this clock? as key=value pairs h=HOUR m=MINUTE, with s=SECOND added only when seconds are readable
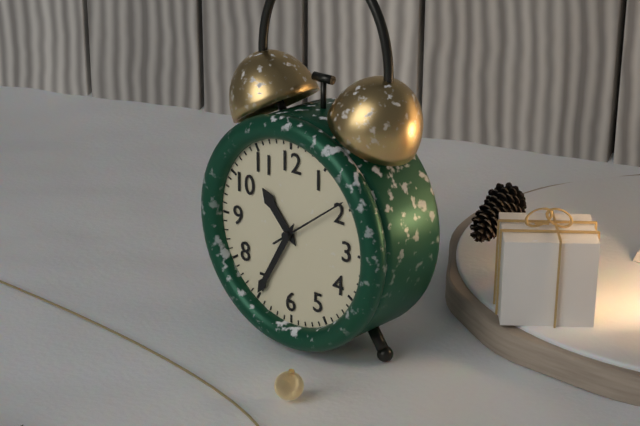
h=10 m=35 s=9
